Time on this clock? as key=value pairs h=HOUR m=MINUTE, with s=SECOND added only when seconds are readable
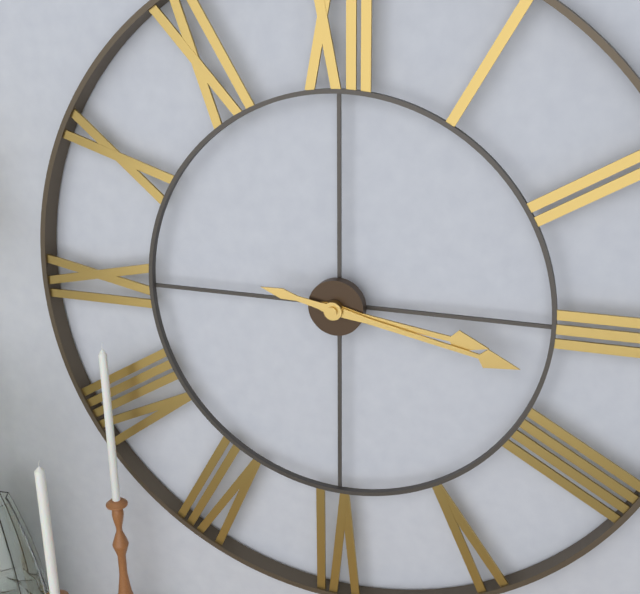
h=3 m=17
